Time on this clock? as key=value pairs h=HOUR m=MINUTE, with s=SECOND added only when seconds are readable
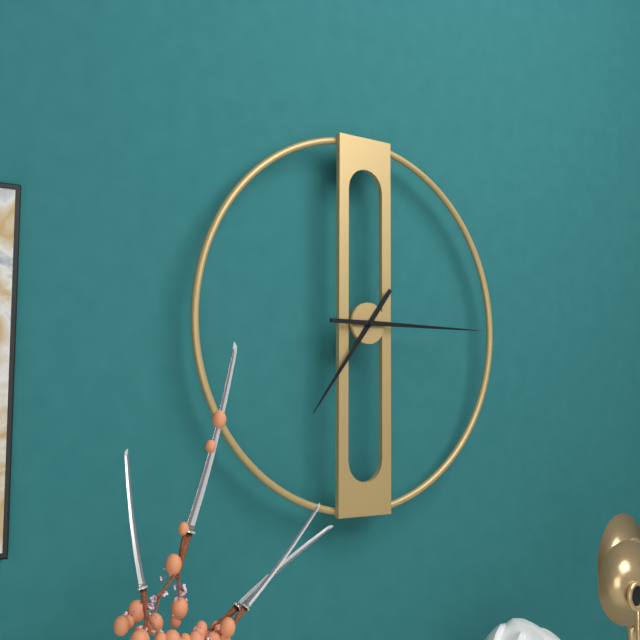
h=7 m=15
